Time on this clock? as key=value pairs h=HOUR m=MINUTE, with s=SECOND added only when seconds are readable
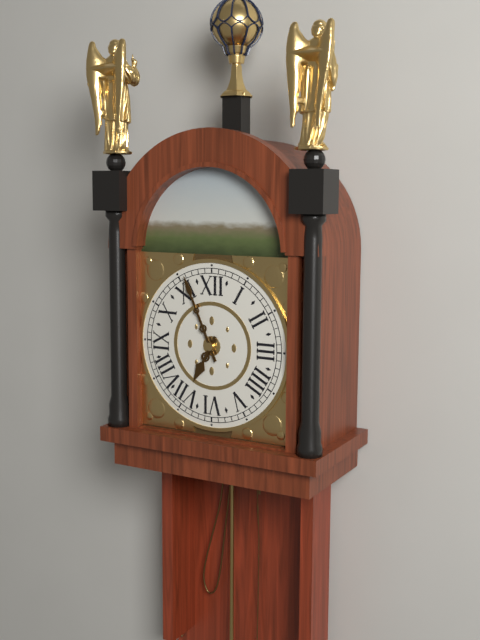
h=6 m=56
